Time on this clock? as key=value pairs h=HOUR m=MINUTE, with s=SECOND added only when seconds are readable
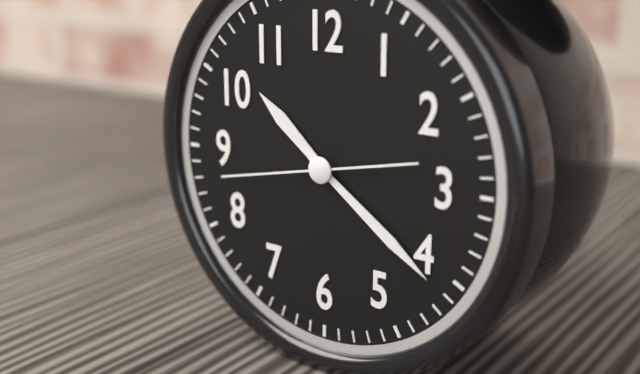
h=10 m=21 s=43
